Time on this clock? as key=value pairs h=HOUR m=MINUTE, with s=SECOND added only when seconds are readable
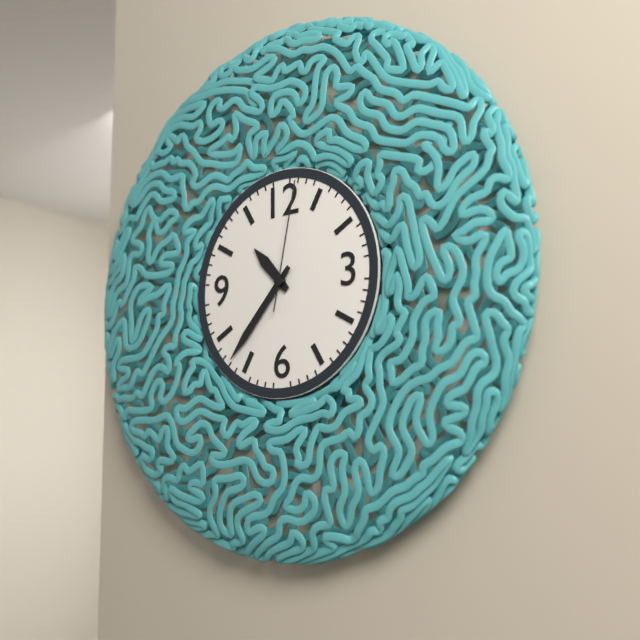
h=10 m=37 s=2
